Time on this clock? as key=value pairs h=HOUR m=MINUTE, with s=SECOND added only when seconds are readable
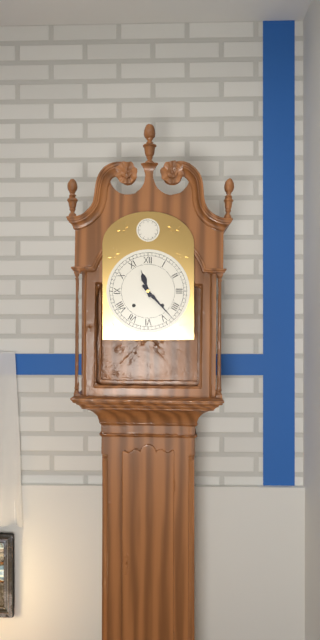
h=11 m=23
